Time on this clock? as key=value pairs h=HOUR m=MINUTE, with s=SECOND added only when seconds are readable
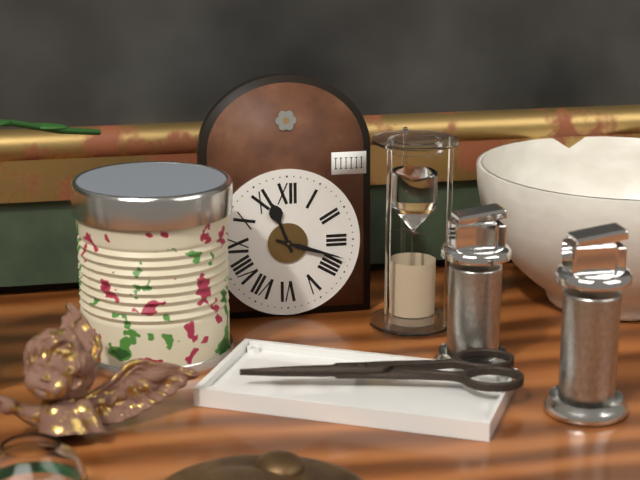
h=11 m=18
